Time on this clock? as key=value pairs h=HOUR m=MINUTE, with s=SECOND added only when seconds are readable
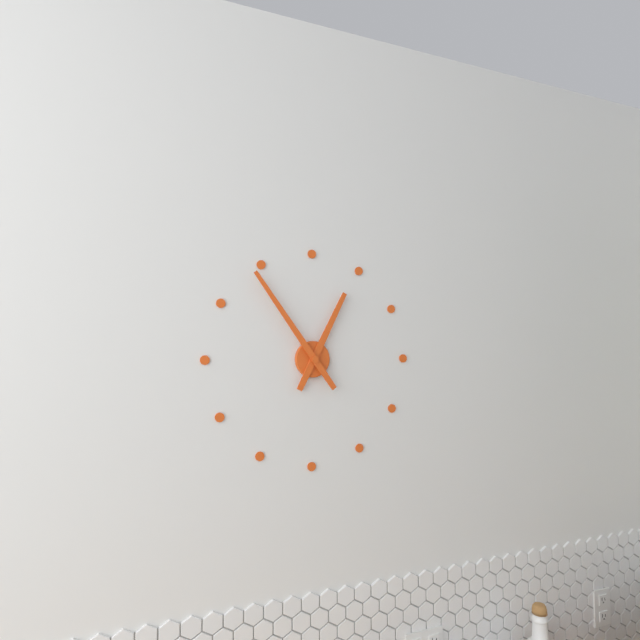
h=12 m=54
